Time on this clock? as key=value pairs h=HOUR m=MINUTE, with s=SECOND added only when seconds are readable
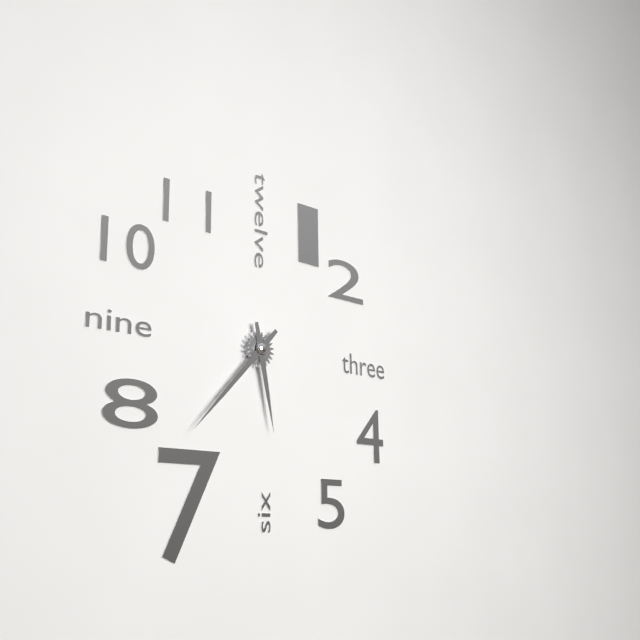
h=5 m=37
